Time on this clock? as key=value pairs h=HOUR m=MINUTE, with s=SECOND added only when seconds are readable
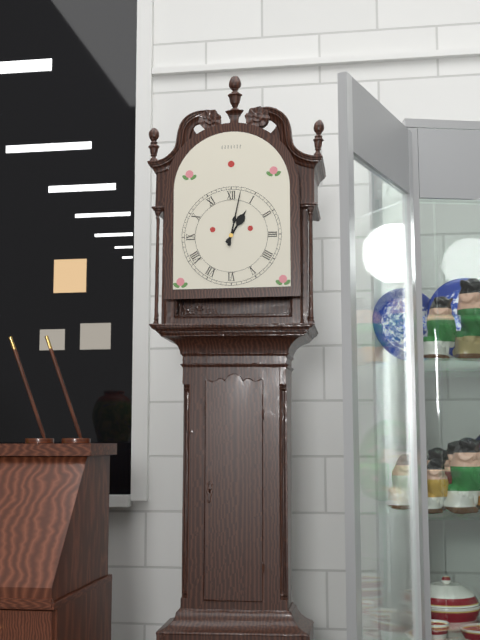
h=1 m=2
